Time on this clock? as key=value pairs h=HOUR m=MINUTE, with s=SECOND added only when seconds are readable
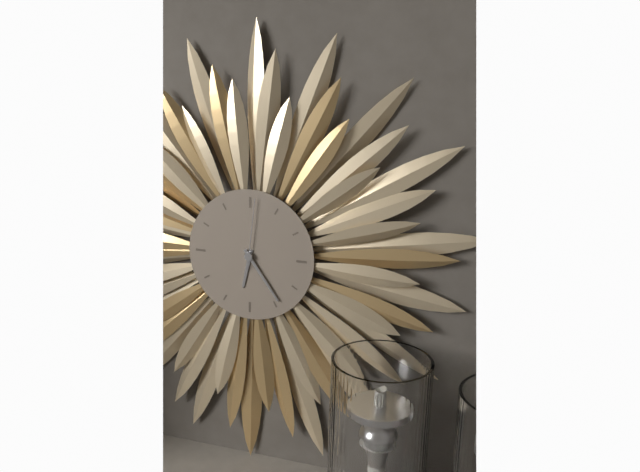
h=6 m=24 s=1
